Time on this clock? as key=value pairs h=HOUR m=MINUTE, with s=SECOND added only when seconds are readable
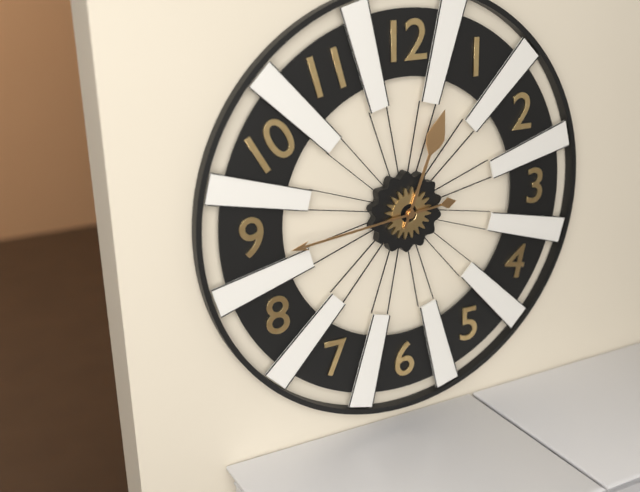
h=12 m=44
